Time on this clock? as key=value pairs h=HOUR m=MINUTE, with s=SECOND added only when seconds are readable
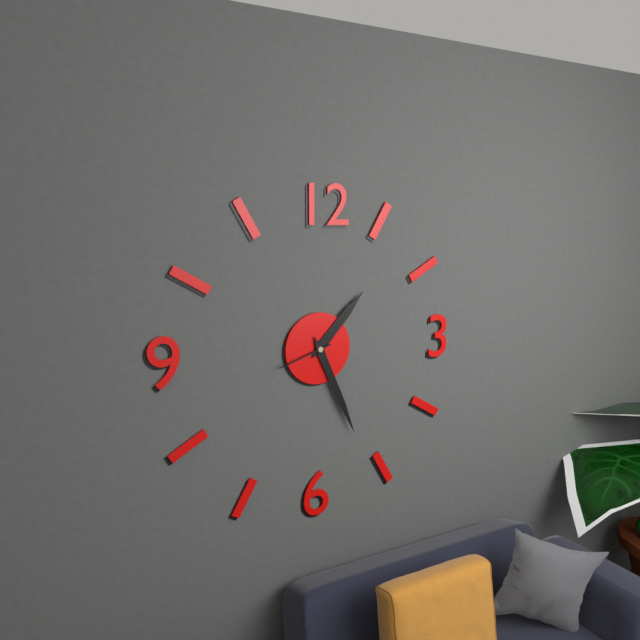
h=1 m=26 s=42
